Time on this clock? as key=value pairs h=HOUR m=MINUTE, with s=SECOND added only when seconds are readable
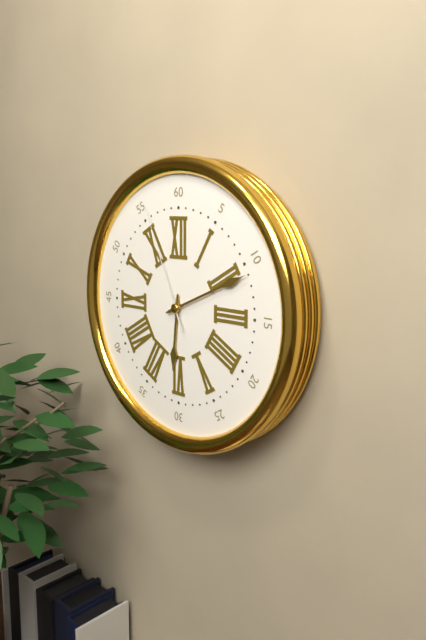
h=6 m=11 s=56
